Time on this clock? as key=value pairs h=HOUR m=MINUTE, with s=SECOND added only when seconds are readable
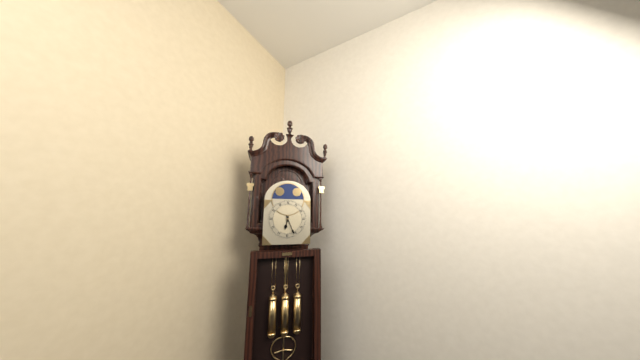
h=6 m=26
